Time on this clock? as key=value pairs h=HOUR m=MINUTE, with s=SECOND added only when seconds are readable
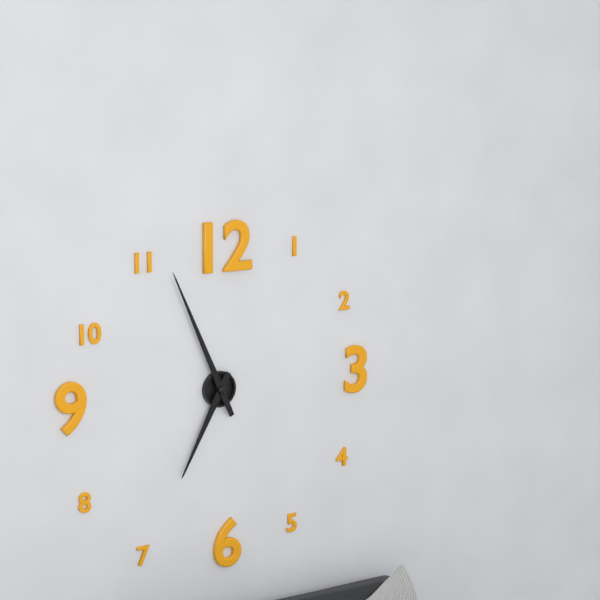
h=6 m=56
